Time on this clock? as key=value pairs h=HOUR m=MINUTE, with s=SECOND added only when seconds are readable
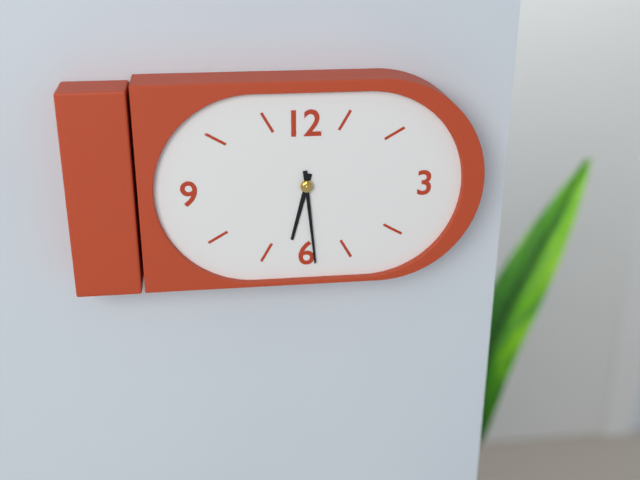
h=6 m=29
